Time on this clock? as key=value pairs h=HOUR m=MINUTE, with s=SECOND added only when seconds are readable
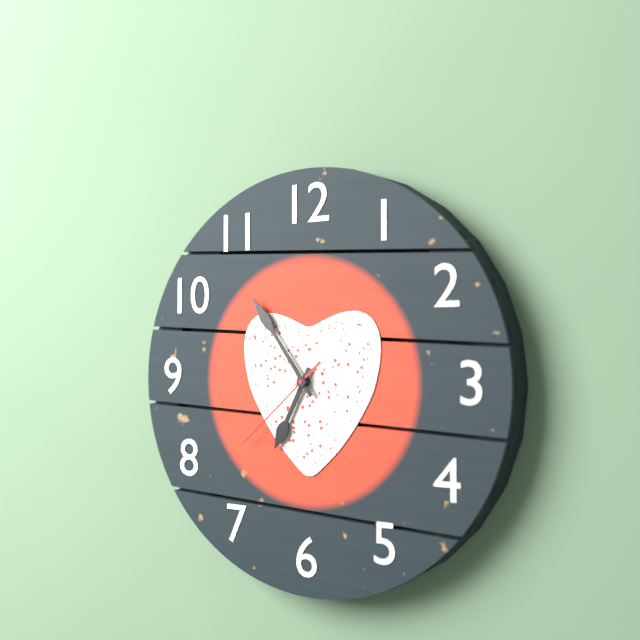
h=6 m=54 s=38
